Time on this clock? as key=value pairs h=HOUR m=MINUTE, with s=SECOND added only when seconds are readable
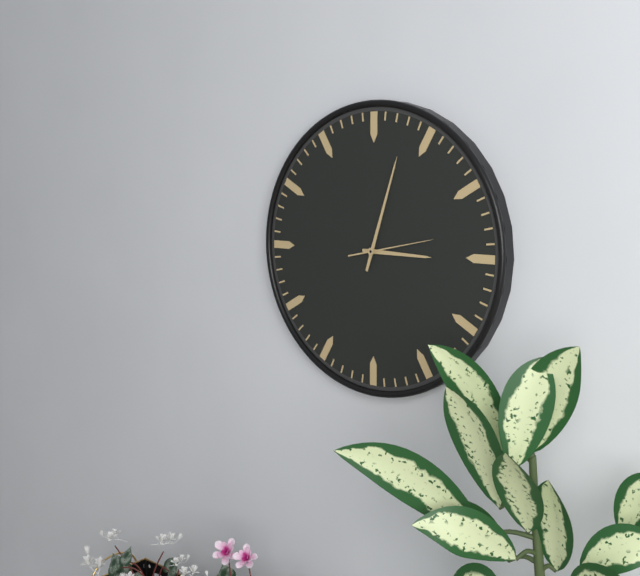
h=3 m=3 s=13
